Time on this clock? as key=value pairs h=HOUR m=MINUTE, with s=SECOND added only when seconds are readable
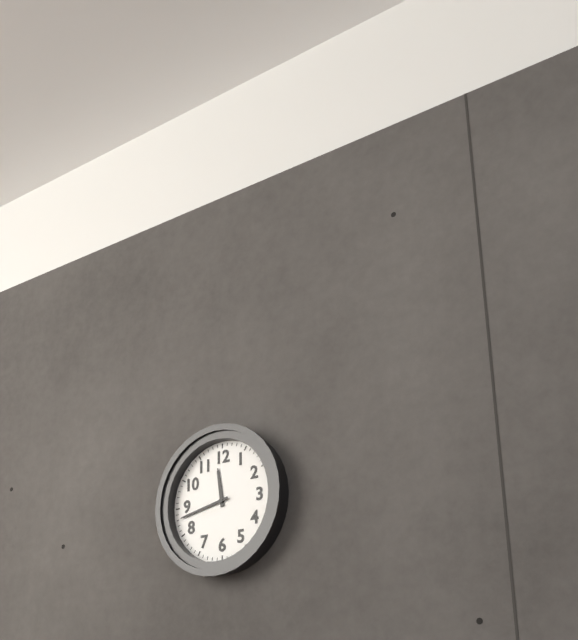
h=11 m=43
